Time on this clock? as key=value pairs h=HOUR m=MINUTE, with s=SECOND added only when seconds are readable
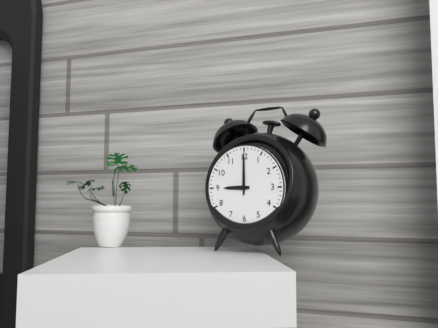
h=9 m=0
